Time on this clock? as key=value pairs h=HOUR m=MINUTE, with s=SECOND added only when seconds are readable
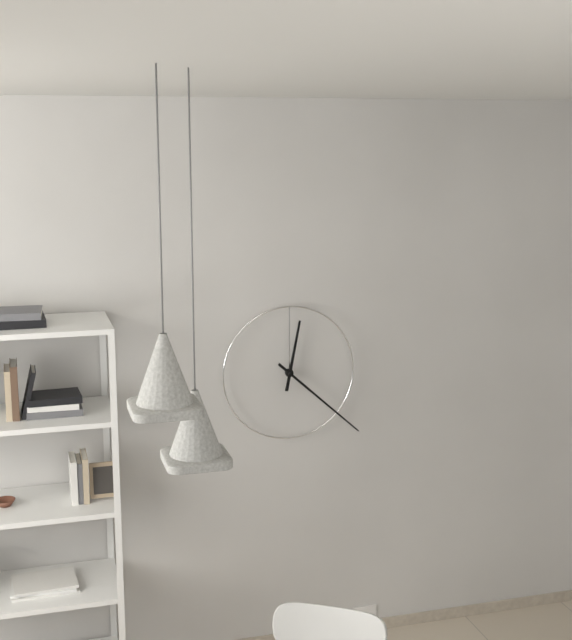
h=12 m=22
